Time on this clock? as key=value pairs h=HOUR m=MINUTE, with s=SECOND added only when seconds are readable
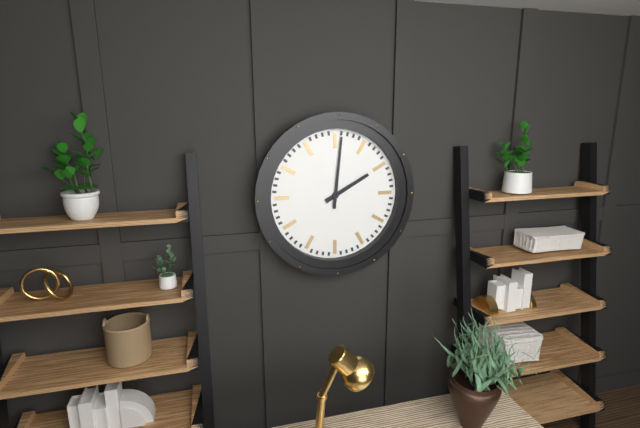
h=2 m=1
